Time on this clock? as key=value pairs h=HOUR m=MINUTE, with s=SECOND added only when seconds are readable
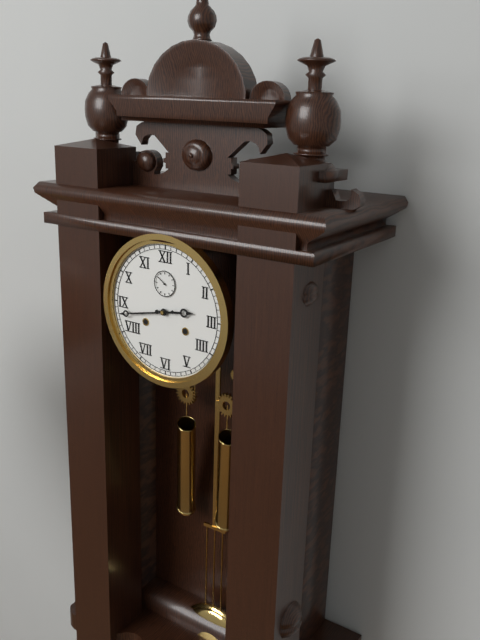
h=2 m=43
